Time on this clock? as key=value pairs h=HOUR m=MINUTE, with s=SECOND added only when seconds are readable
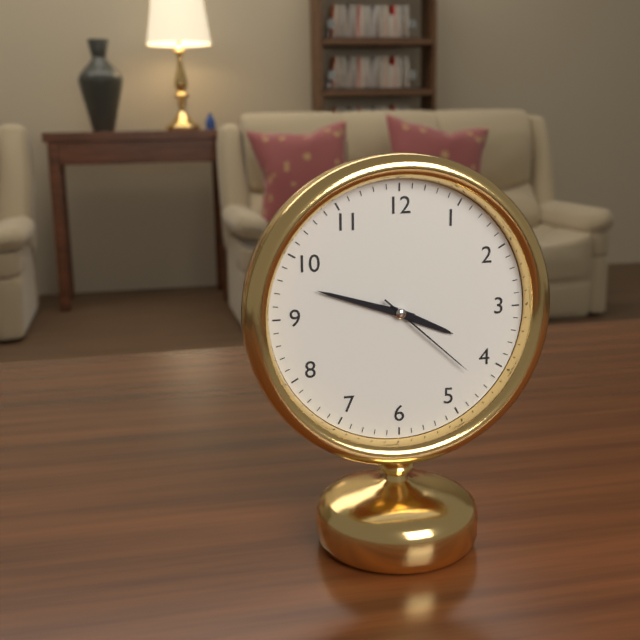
h=3 m=48 s=22
